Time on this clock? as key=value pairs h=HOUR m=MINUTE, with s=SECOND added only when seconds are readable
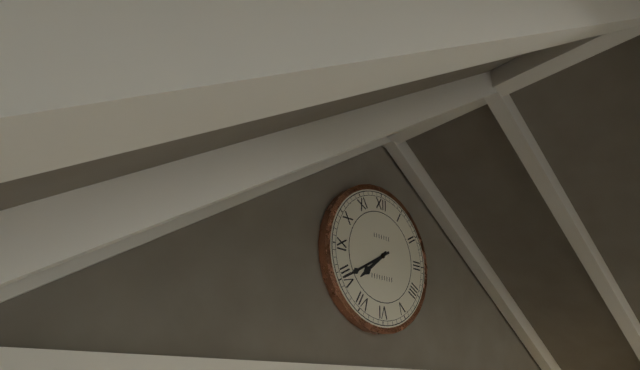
h=7 m=40
